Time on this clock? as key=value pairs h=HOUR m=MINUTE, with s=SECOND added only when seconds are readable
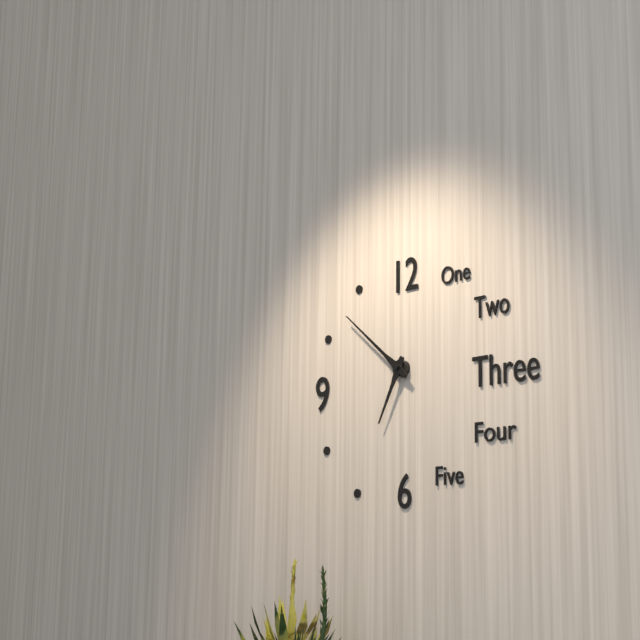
h=6 m=52
